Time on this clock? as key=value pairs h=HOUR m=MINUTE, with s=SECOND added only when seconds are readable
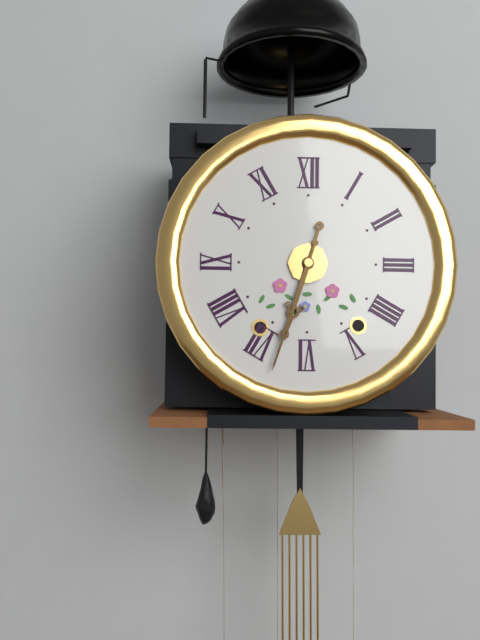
h=6 m=33
